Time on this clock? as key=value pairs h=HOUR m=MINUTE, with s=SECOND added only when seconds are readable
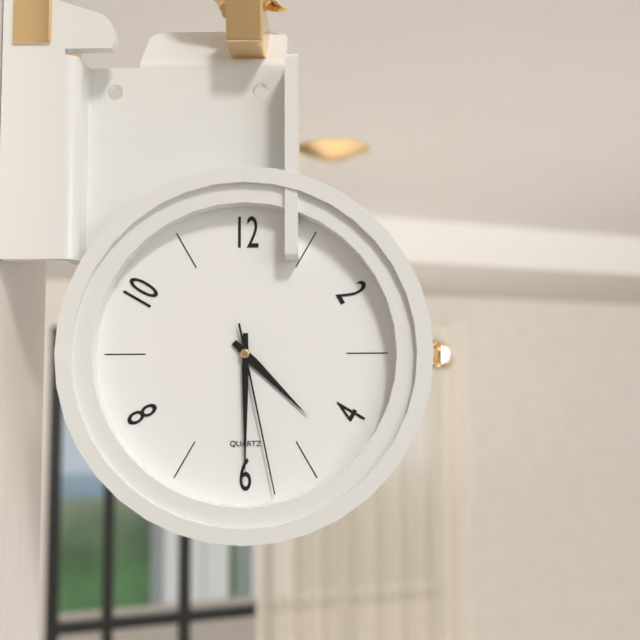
h=4 m=30 s=28
